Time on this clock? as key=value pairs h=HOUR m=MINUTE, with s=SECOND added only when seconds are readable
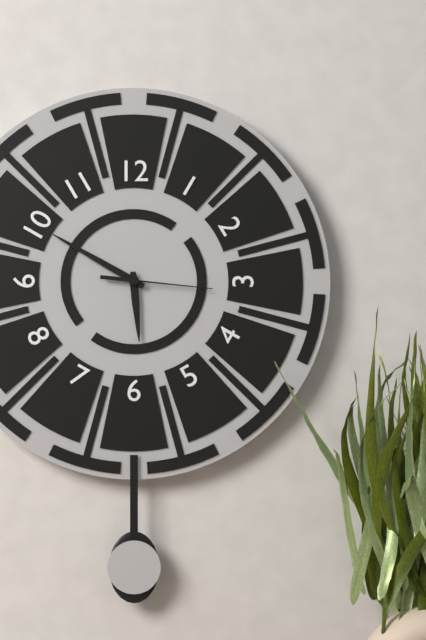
h=5 m=50 s=16
